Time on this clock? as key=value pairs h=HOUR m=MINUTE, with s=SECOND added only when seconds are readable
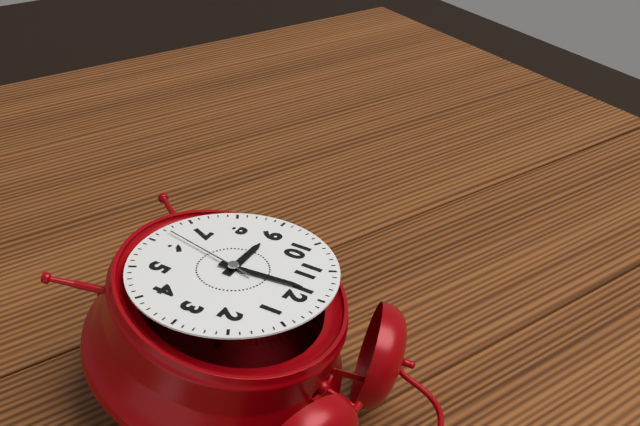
h=8 m=59 s=32
